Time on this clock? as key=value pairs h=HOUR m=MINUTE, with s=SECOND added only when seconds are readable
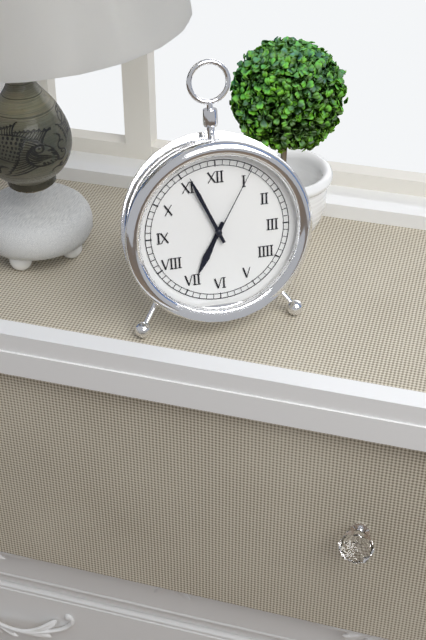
h=6 m=56 s=5
